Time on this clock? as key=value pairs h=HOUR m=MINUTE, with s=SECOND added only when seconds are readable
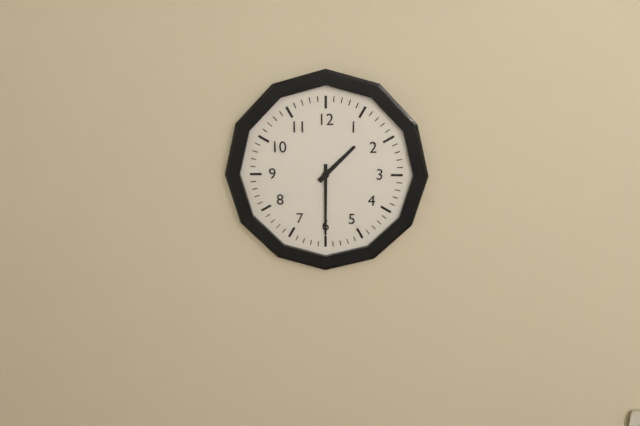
h=1 m=30
